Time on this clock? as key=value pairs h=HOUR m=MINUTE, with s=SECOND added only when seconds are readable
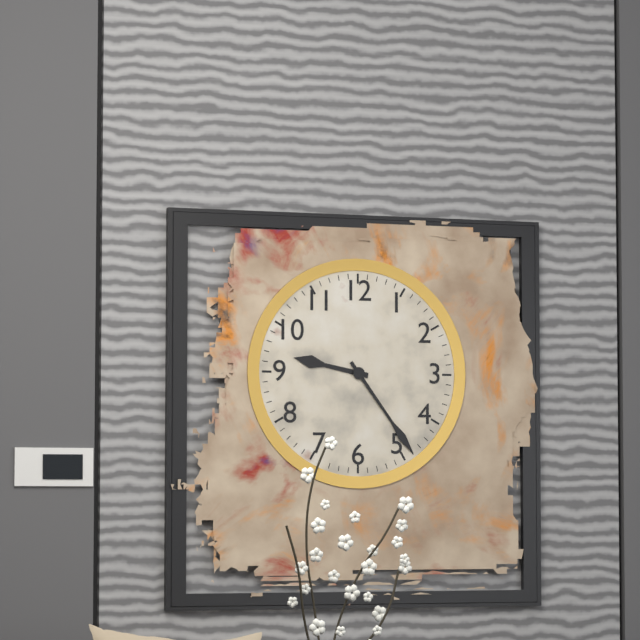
h=9 m=24
